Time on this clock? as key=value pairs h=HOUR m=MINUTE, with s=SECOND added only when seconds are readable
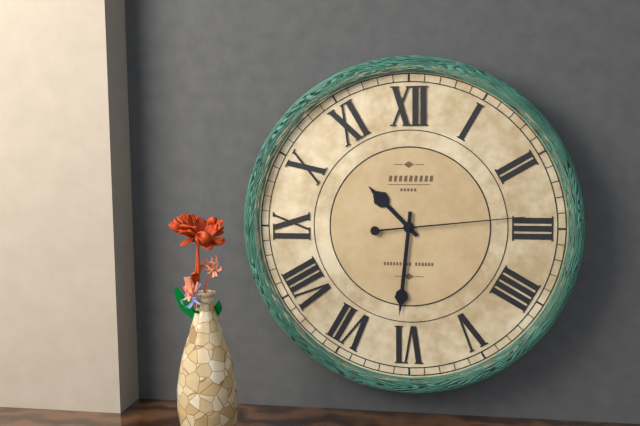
h=10 m=31 s=14
